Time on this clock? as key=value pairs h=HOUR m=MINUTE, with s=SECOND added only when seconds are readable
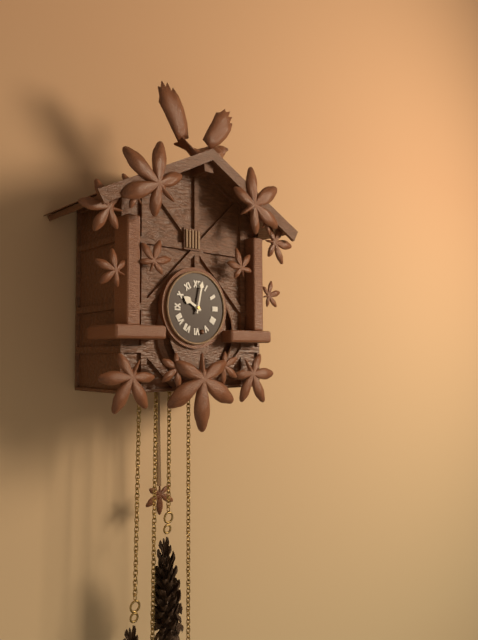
h=10 m=2
